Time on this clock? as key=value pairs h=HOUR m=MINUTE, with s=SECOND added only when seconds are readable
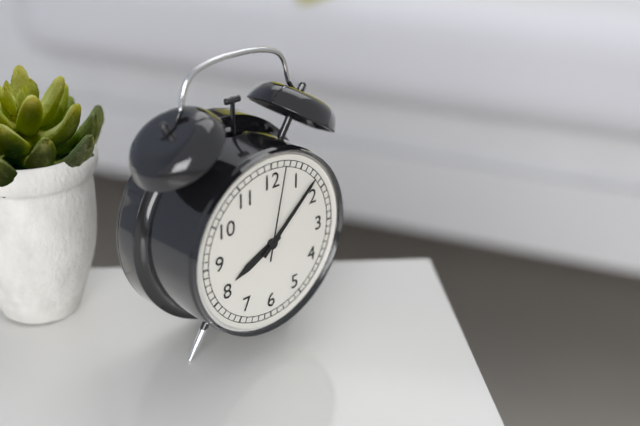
h=8 m=8 s=2
